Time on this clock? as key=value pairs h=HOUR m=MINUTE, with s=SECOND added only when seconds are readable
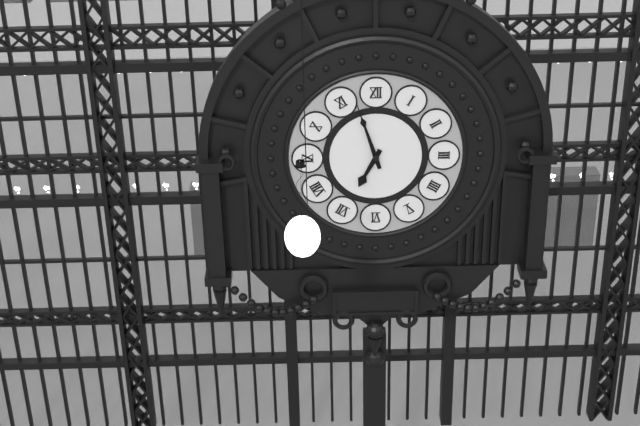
h=6 m=57
